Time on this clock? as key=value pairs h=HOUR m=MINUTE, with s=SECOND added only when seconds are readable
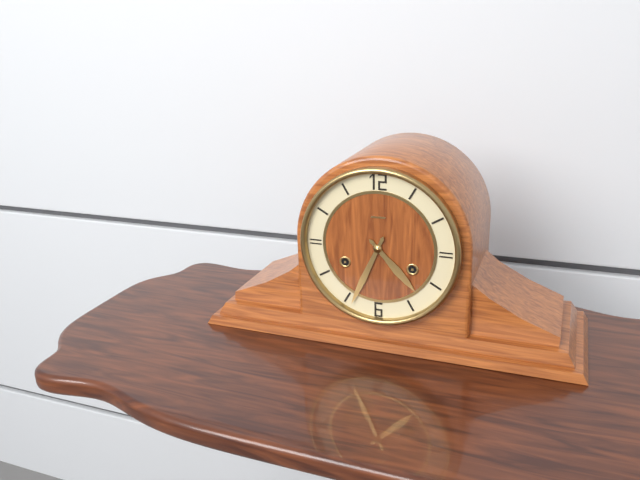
h=4 m=34
